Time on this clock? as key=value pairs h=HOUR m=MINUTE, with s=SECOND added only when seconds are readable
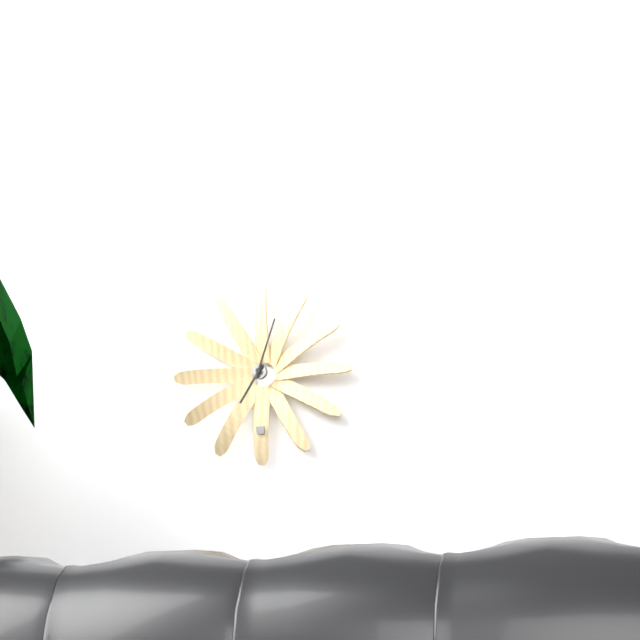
h=7 m=3
